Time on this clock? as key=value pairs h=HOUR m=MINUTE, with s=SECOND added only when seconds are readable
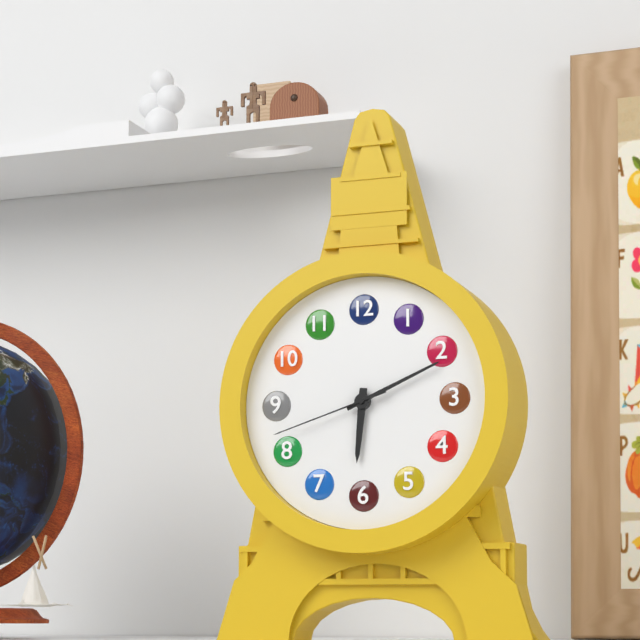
h=6 m=11 s=42
